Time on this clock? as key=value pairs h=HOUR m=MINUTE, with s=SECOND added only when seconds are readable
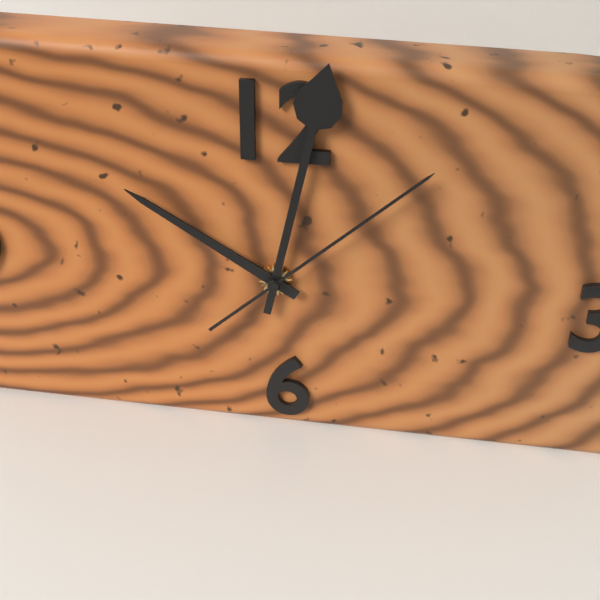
h=10 m=2 s=8
